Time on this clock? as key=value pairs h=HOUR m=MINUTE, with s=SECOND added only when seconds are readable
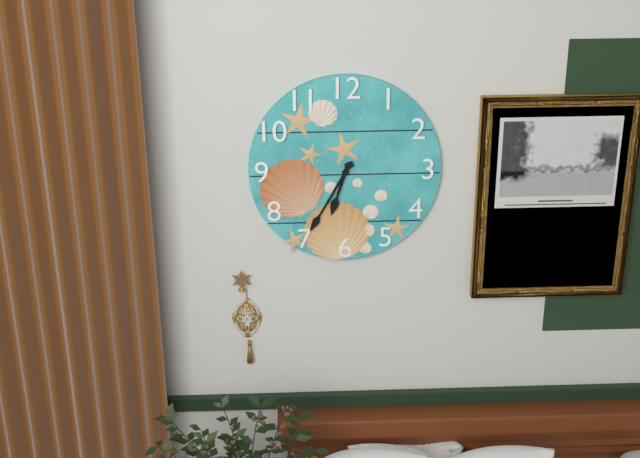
h=6 m=35
